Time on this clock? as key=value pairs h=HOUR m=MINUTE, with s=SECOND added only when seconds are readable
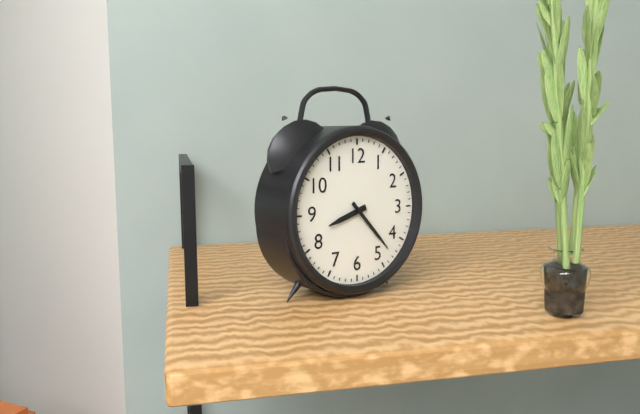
h=8 m=23
